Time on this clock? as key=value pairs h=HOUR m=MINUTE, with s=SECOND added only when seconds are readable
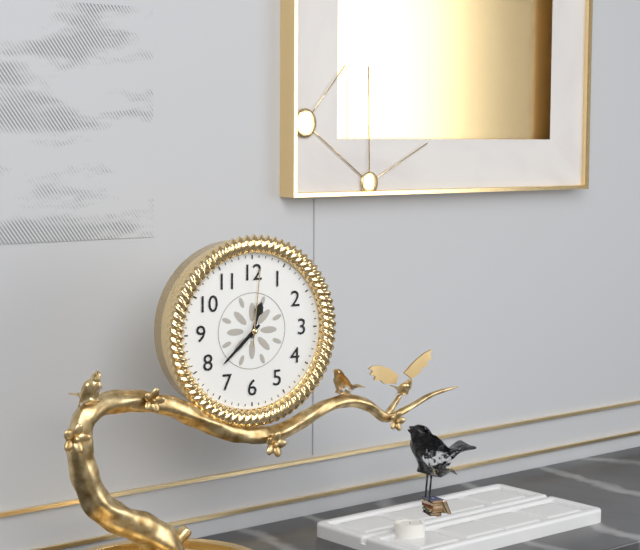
h=12 m=38 s=1
